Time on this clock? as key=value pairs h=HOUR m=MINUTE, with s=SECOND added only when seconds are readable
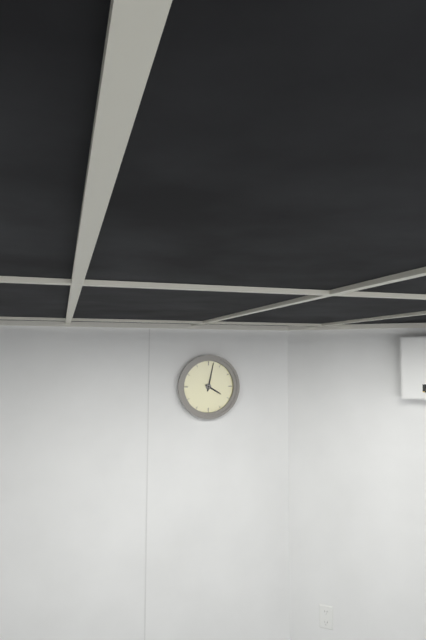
h=4 m=2
